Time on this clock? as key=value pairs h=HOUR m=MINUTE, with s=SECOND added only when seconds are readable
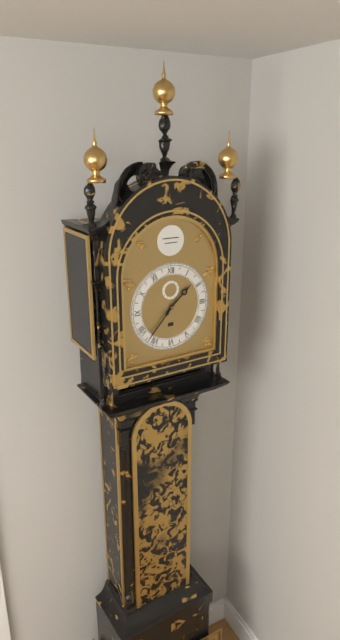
h=1 m=37
